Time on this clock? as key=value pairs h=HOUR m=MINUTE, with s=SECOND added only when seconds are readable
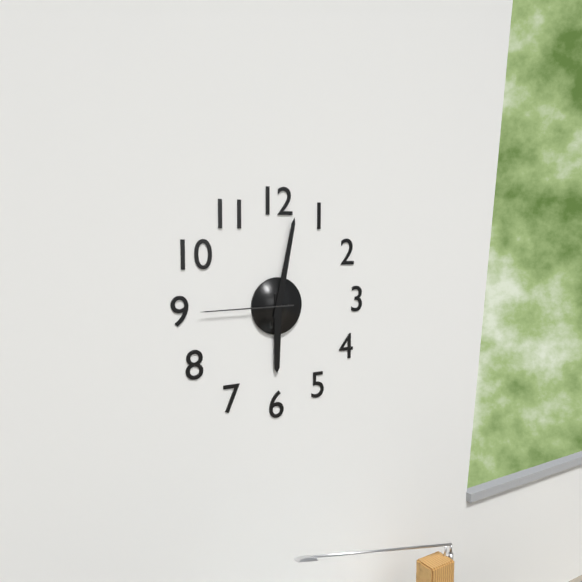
h=6 m=2 s=45
